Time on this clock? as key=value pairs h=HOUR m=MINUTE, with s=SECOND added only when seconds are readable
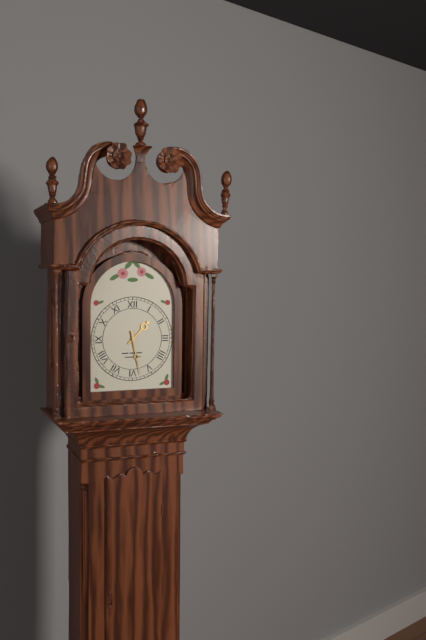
h=1 m=28
